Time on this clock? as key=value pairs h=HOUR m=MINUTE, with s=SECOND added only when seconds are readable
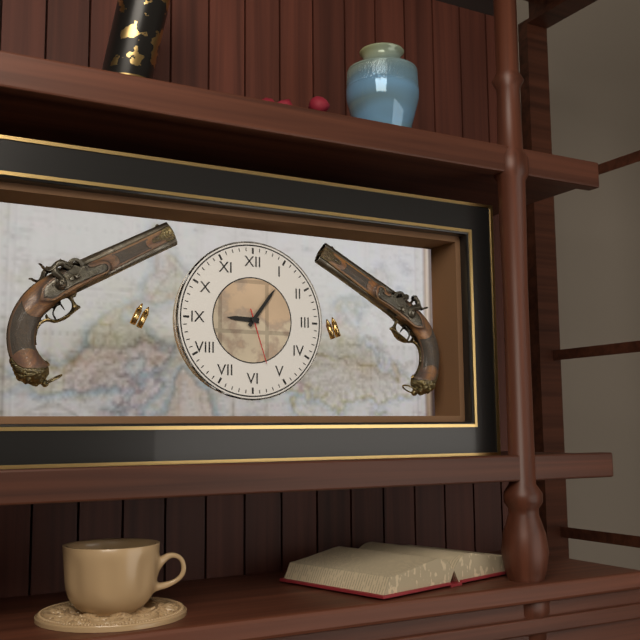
h=9 m=6 s=27
